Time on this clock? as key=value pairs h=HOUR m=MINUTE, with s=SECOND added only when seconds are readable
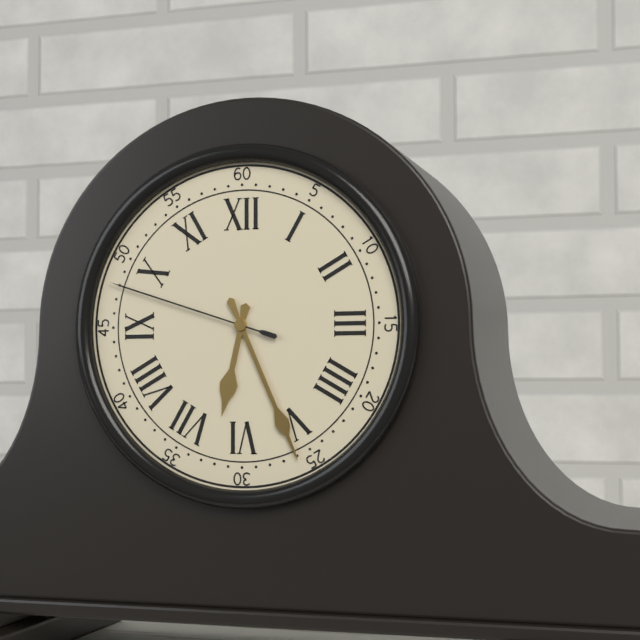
h=6 m=26 s=48
